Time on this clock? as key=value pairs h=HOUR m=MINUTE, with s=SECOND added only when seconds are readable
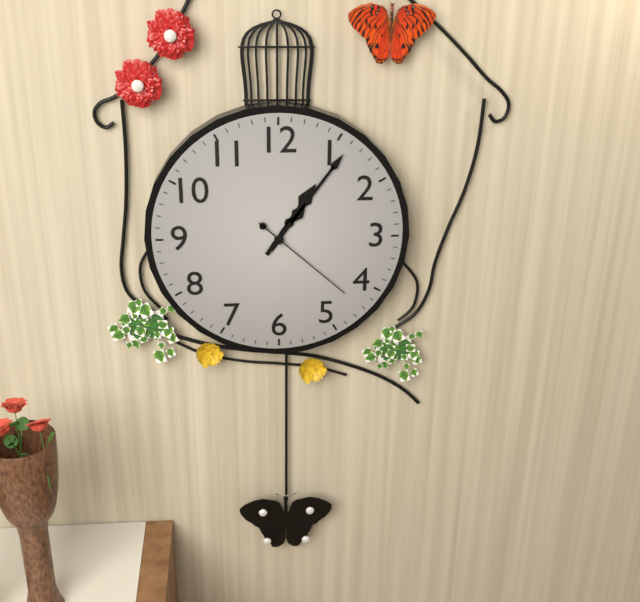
h=1 m=6 s=22
